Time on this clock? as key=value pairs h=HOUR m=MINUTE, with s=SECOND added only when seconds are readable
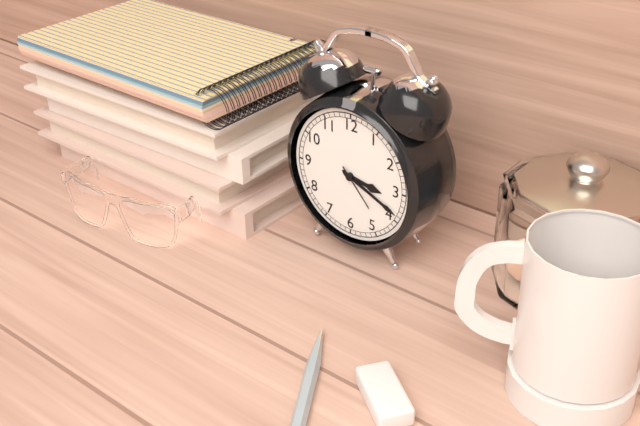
h=3 m=19
